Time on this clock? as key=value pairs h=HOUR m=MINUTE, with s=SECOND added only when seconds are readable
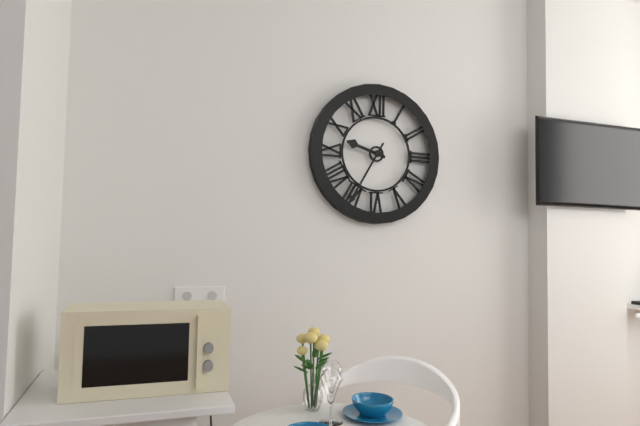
h=9 m=35
